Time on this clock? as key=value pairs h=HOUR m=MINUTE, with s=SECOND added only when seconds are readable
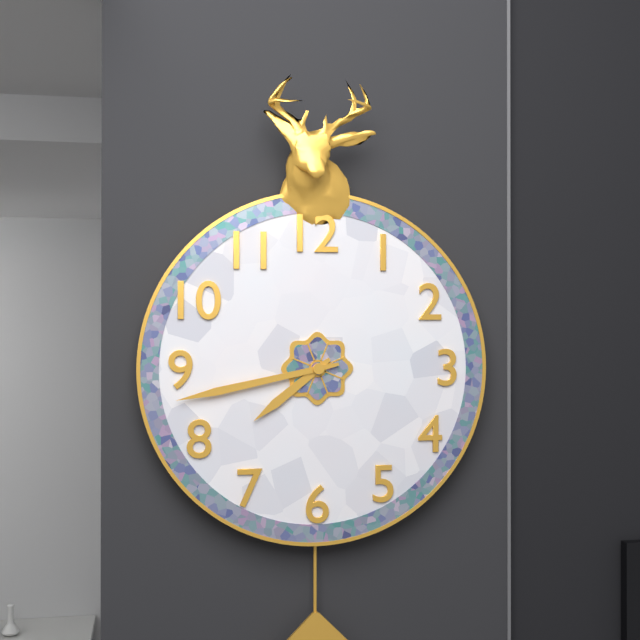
h=7 m=43
